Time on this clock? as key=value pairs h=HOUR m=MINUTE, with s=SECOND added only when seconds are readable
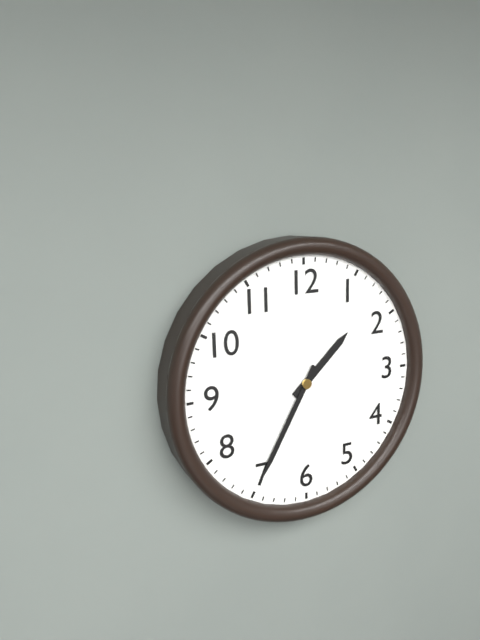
h=1 m=35
